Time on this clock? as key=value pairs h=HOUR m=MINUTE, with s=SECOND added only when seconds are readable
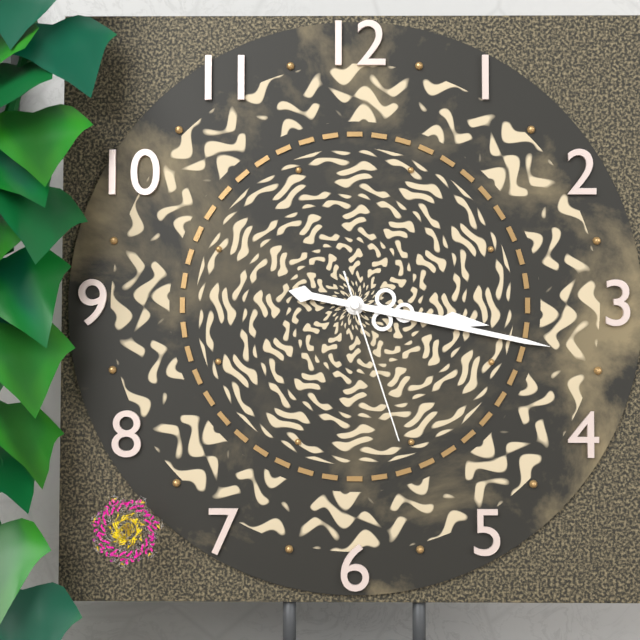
h=3 m=17 s=27
